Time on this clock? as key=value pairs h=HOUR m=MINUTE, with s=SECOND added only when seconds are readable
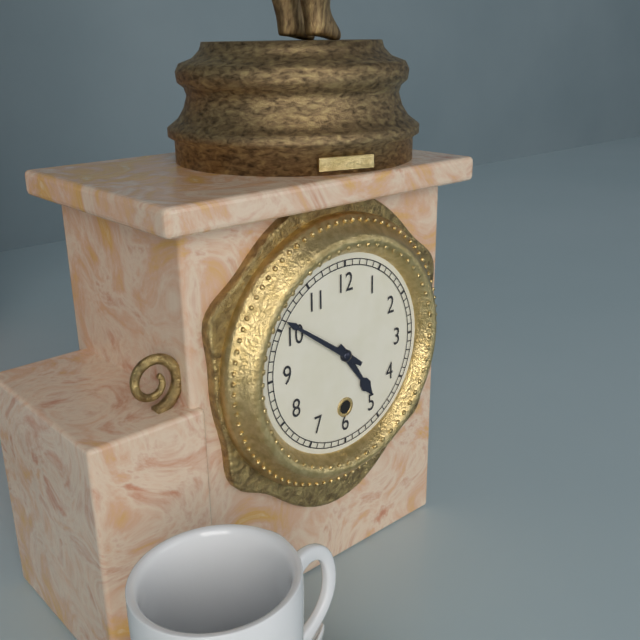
h=4 m=51
